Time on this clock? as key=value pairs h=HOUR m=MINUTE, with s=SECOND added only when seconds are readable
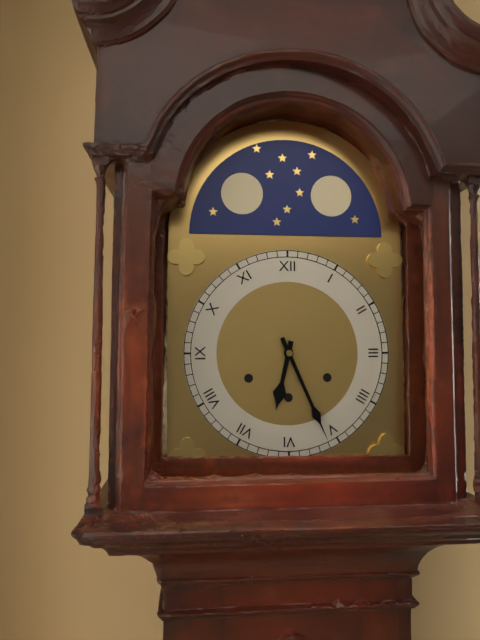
h=6 m=26
